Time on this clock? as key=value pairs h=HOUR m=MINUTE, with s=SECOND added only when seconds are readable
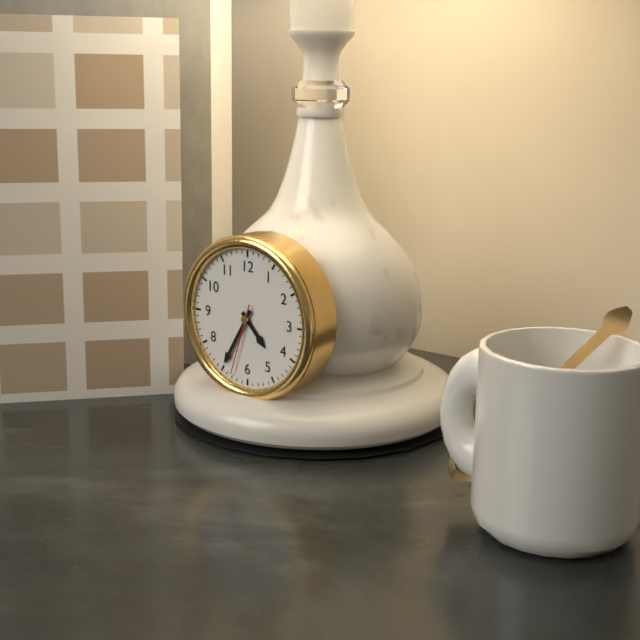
h=4 m=35 s=33
